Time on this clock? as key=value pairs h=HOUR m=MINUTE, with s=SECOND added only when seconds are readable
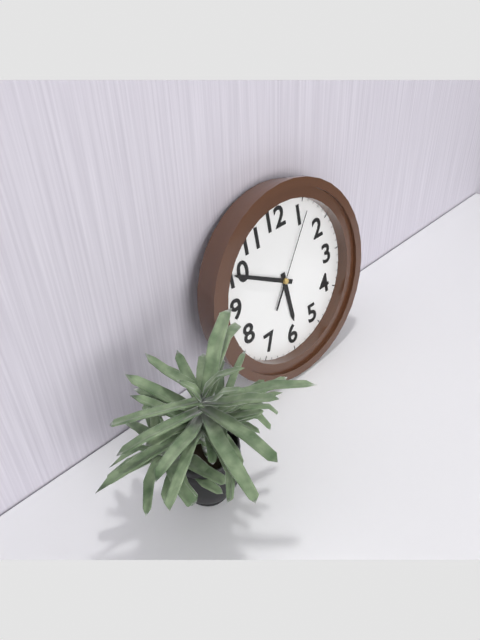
h=5 m=50 s=6
